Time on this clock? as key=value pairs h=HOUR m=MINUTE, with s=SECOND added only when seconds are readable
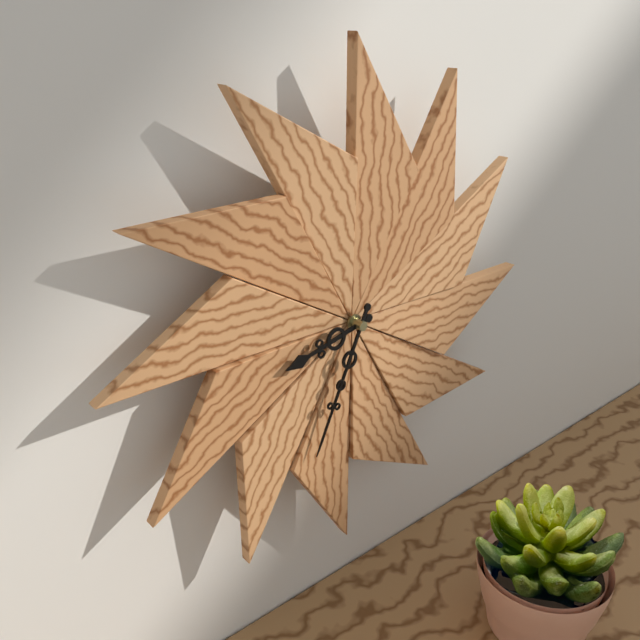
h=8 m=34
